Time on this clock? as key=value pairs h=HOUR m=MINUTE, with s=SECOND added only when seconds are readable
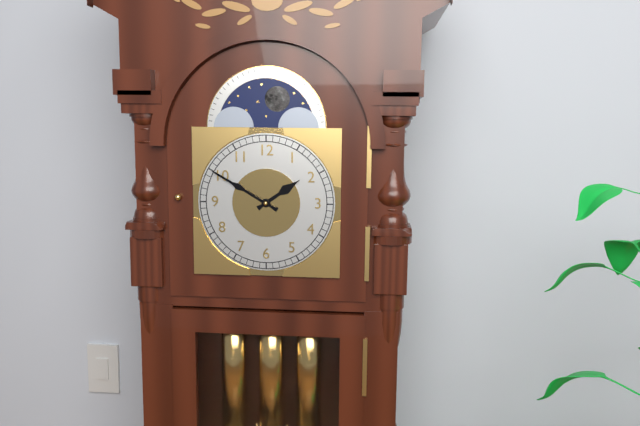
h=1 m=50
